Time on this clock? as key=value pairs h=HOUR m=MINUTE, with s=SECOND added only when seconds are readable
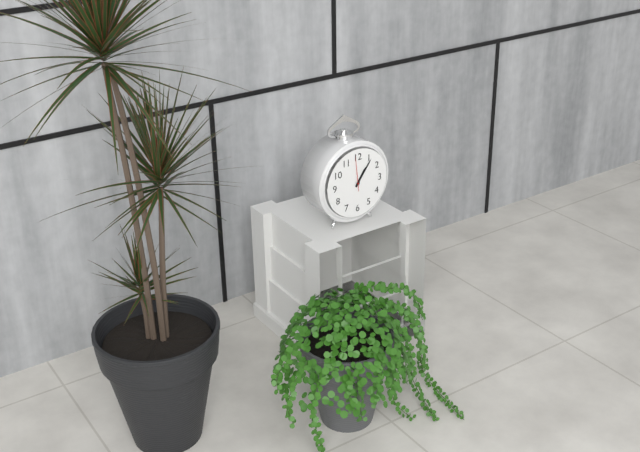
h=1 m=6
